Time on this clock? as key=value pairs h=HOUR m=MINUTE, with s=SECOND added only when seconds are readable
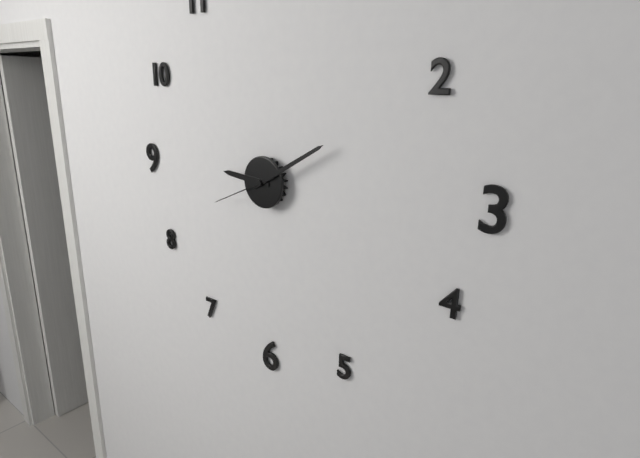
h=9 m=10 s=41
